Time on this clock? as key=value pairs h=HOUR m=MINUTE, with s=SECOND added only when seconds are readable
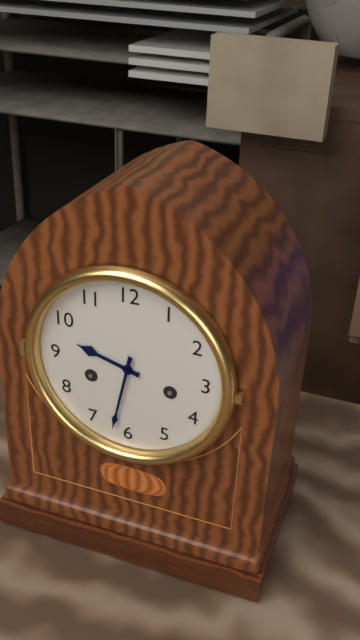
h=9 m=32
